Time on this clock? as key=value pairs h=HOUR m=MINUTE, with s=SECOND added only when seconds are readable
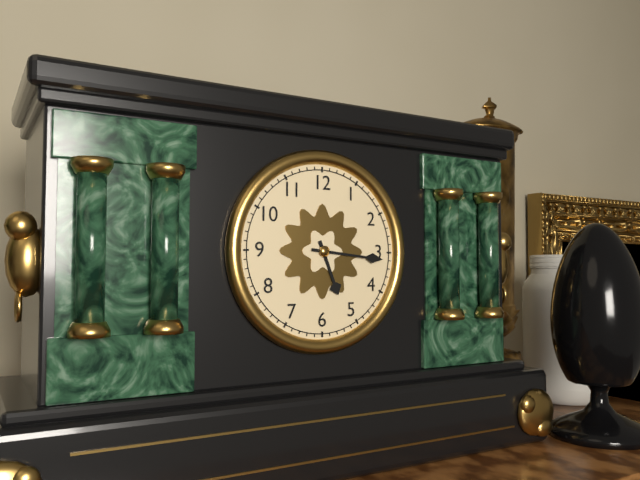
h=5 m=16
